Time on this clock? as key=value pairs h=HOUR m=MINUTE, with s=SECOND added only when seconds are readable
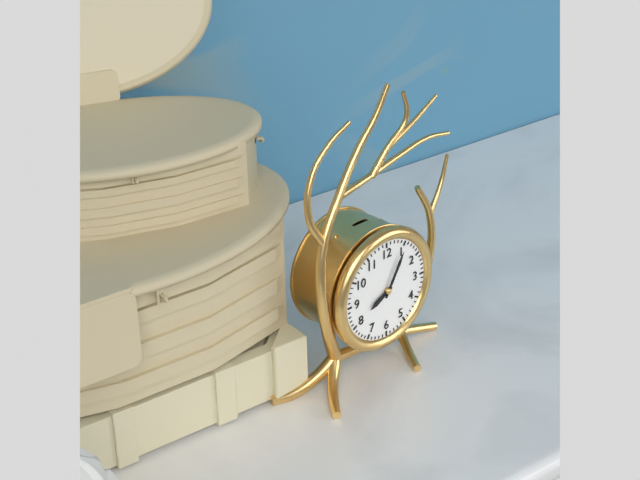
h=8 m=5
